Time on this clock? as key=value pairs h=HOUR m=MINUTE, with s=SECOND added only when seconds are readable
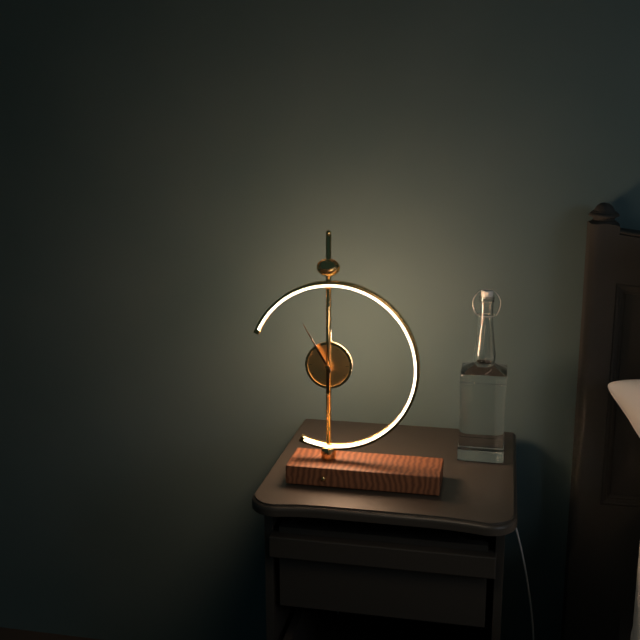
h=10 m=55
